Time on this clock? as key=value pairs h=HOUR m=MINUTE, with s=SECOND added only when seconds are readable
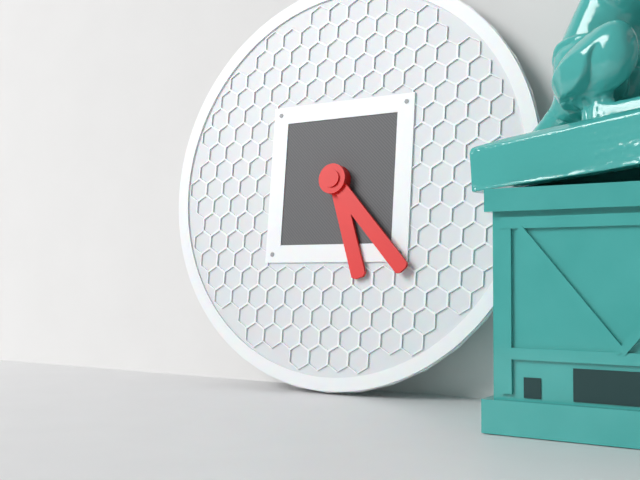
h=5 m=23
